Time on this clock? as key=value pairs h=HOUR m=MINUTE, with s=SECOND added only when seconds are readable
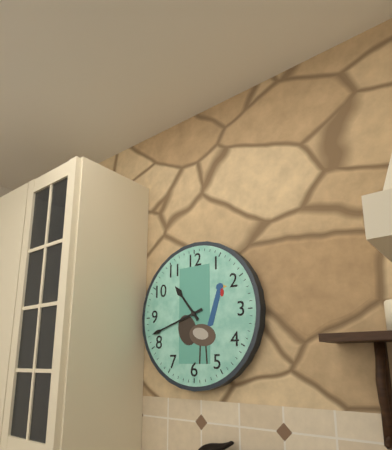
h=10 m=42
